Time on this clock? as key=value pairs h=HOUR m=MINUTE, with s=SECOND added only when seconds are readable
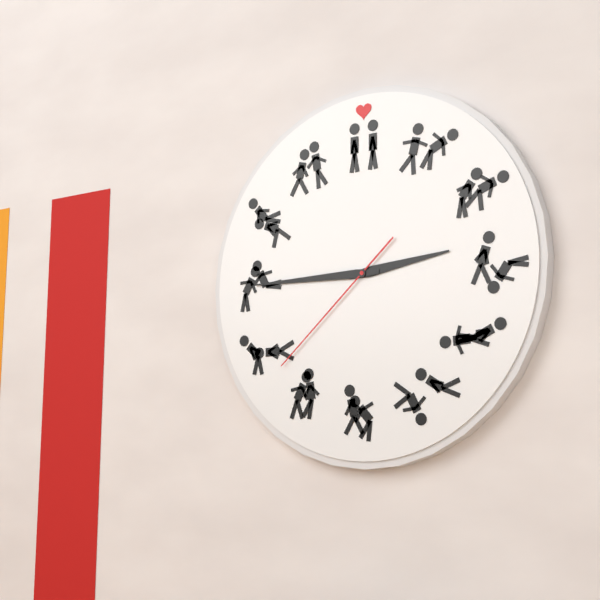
h=2 m=45 s=38
